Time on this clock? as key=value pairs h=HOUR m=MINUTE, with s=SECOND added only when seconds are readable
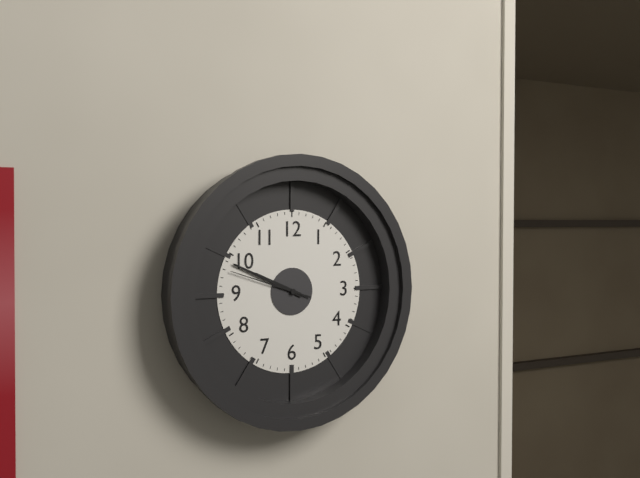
h=9 m=49 s=48
